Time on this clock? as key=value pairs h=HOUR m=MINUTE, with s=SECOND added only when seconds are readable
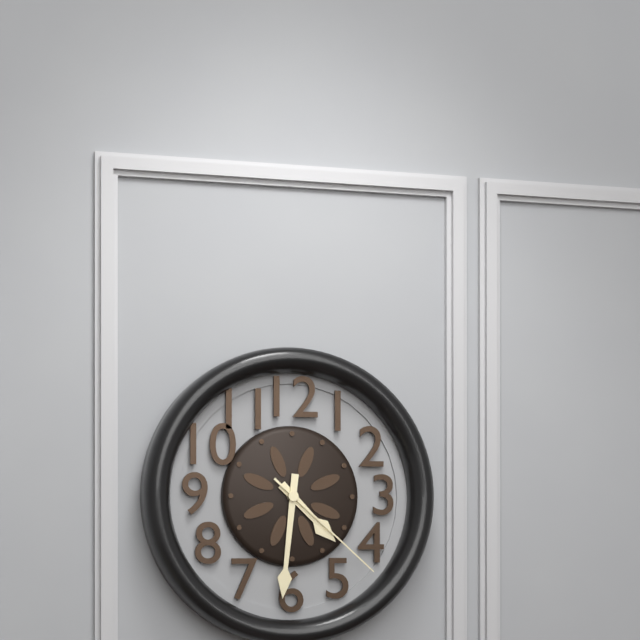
h=4 m=31 s=22
